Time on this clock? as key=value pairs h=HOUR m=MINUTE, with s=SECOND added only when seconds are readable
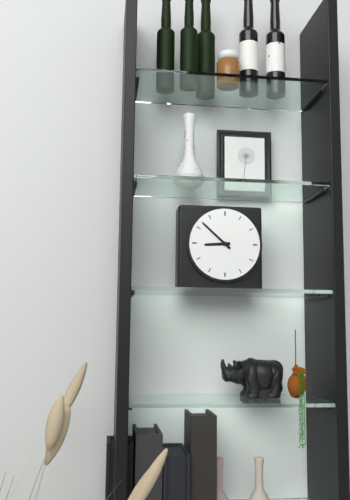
h=8 m=52
